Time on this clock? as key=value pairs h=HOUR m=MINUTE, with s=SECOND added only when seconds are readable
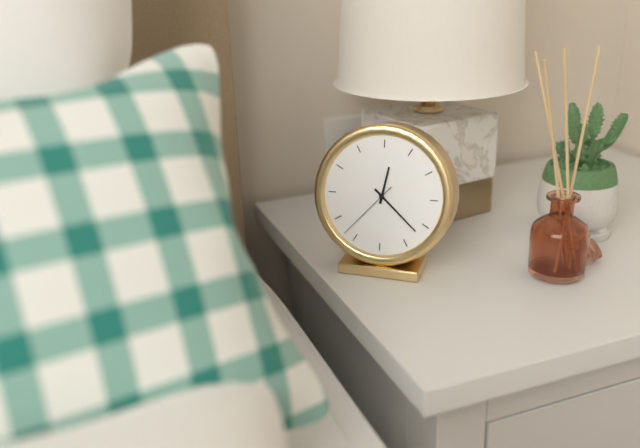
h=12 m=22 s=37
